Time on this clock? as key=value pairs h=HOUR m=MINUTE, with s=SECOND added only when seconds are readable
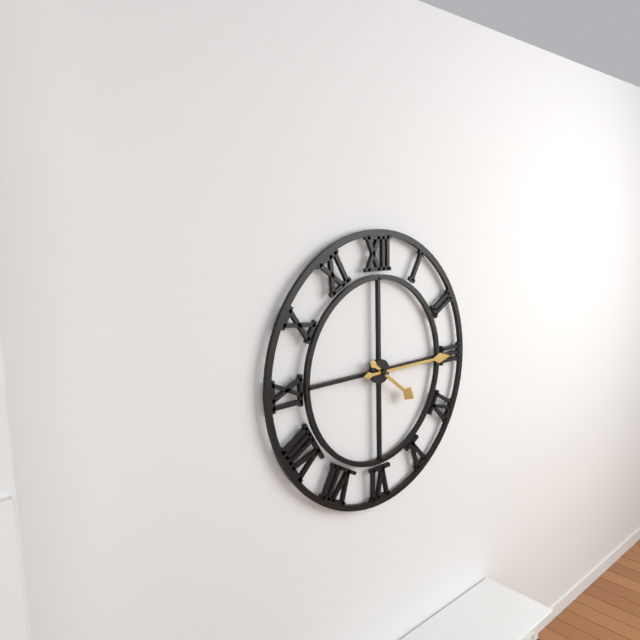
h=4 m=15
